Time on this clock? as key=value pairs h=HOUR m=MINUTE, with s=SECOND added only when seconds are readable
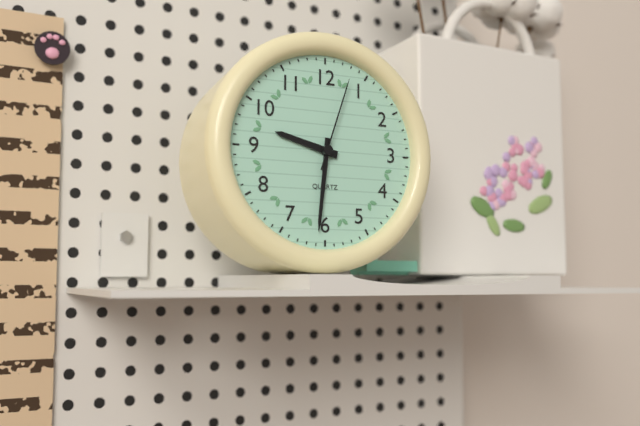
h=9 m=31 s=3
